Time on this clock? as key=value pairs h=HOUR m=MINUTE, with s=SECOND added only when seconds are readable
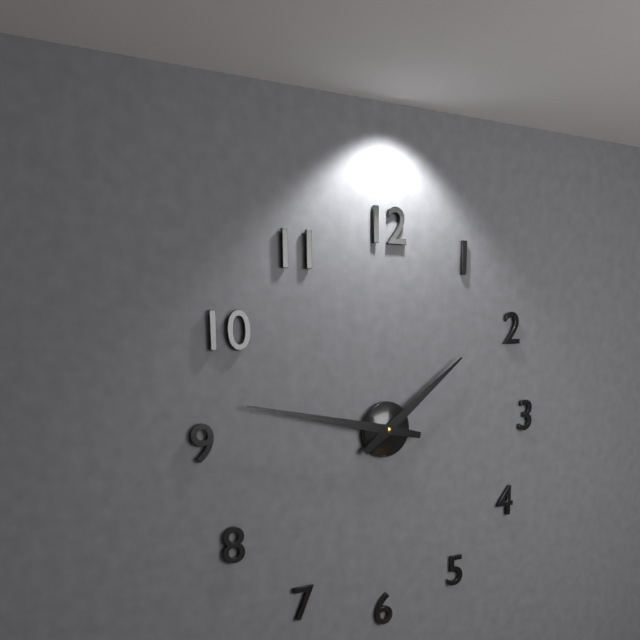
h=1 m=47
